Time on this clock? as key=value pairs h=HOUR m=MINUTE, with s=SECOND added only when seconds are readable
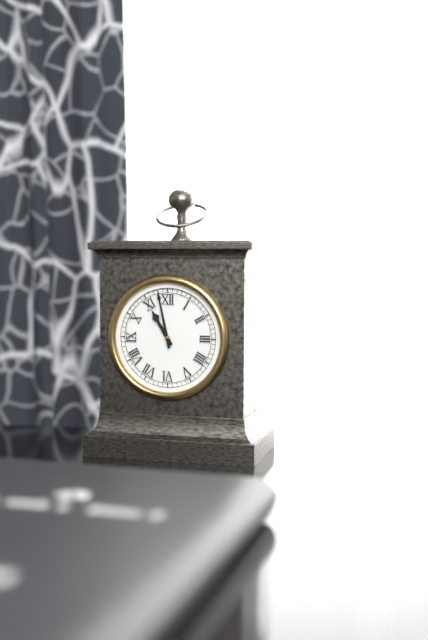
h=10 m=58
